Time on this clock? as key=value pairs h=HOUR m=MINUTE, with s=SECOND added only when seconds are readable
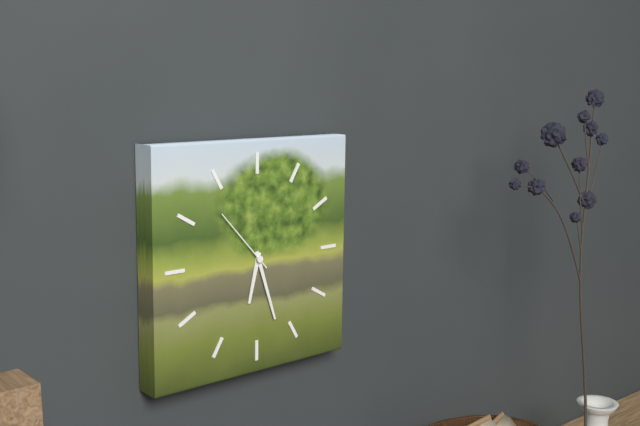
h=6 m=27 s=53
